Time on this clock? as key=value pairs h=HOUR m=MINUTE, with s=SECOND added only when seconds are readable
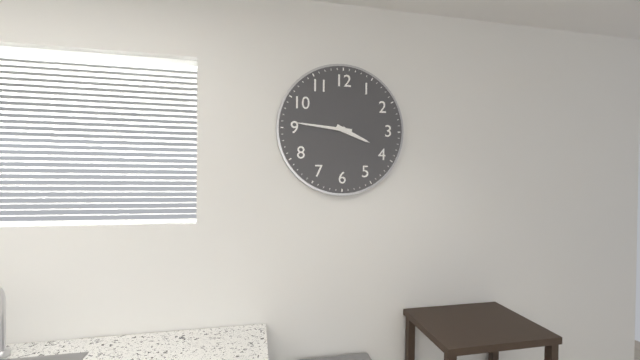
h=3 m=46
